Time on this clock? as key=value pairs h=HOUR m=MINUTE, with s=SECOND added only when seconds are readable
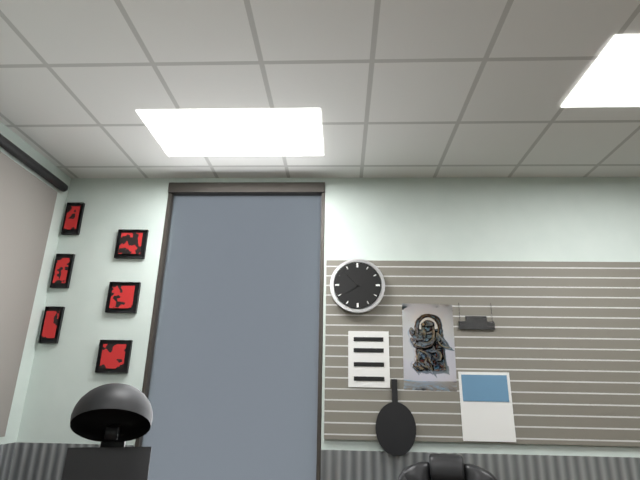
h=7 m=53
